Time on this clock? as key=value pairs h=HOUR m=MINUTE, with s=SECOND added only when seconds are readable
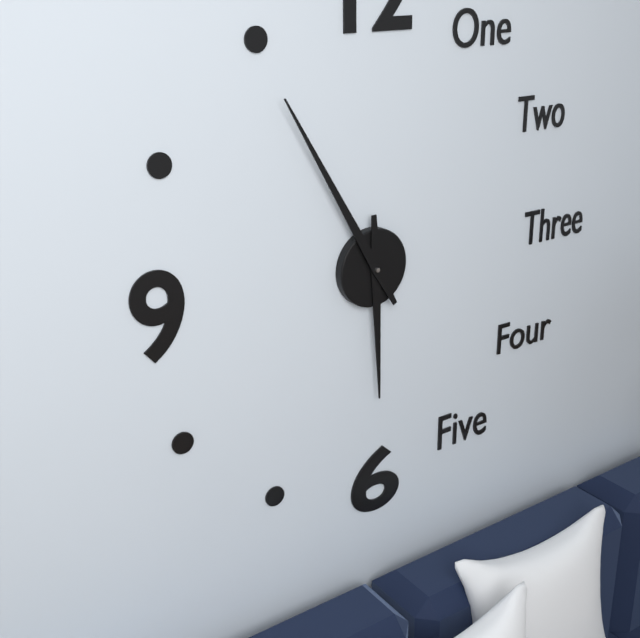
h=5 m=55
